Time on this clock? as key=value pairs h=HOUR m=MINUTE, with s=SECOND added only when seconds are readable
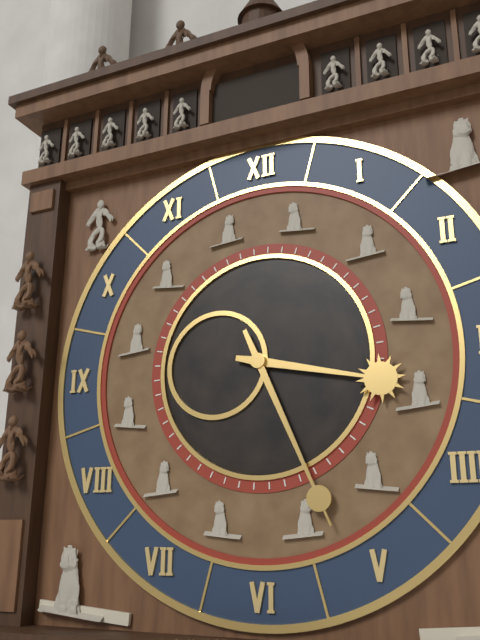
h=3 m=26
